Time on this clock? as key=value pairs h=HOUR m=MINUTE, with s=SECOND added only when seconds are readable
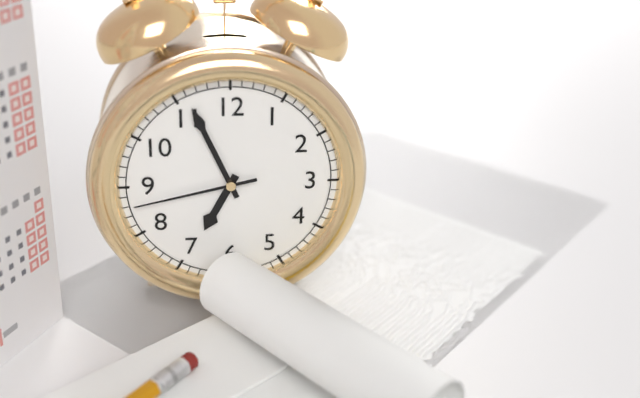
h=6 m=56 s=43
